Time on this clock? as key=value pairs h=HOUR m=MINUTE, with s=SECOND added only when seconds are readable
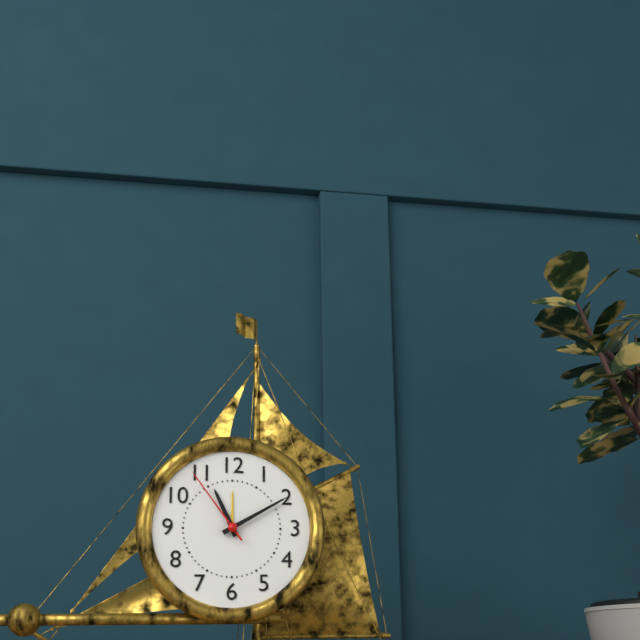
h=11 m=10 s=54
